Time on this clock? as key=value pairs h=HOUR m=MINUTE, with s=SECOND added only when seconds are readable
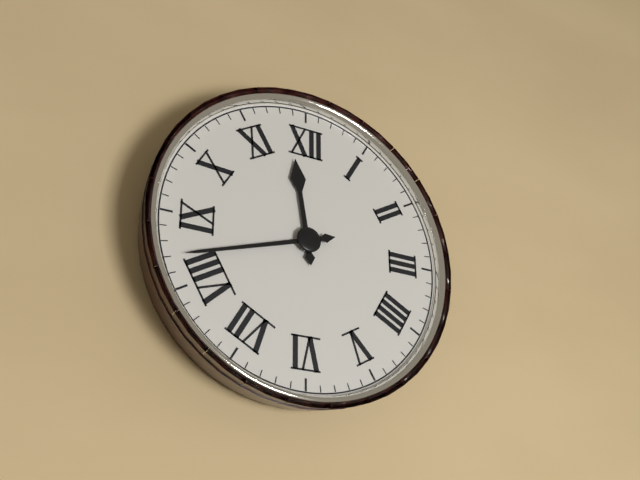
h=11 m=42
